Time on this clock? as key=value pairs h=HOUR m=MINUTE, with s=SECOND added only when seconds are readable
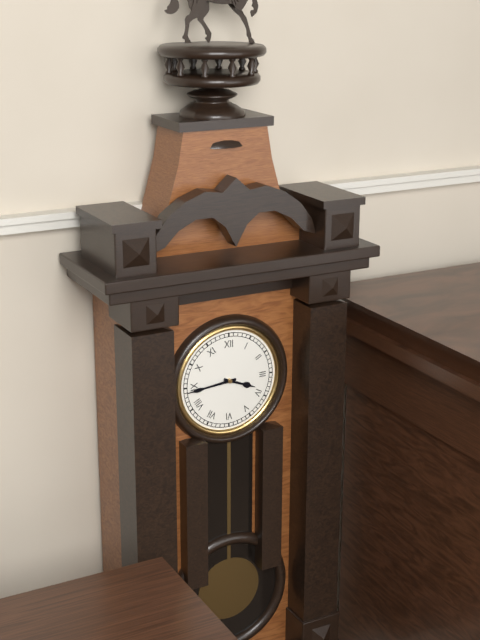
h=3 m=44
